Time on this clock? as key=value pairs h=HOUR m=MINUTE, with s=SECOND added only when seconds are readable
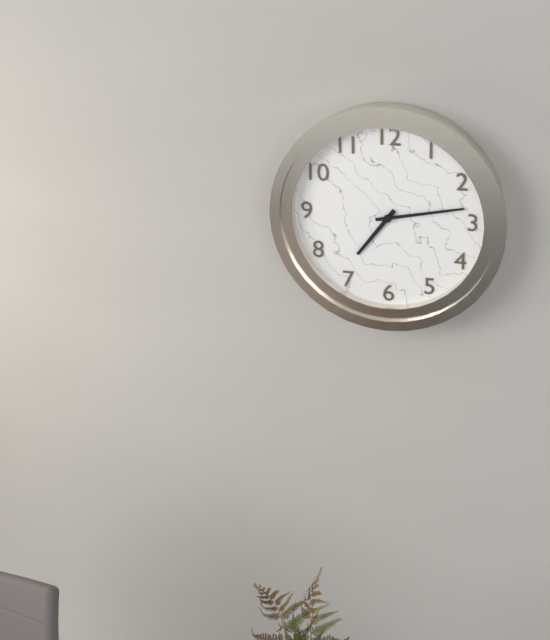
h=7 m=13
